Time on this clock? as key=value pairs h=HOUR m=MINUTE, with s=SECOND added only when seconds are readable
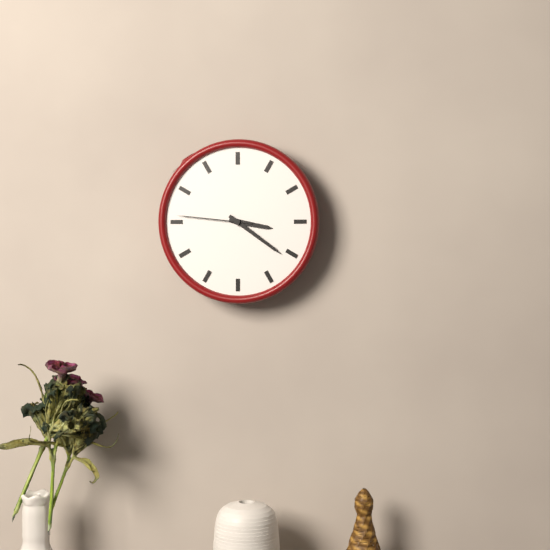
h=3 m=21 s=46
